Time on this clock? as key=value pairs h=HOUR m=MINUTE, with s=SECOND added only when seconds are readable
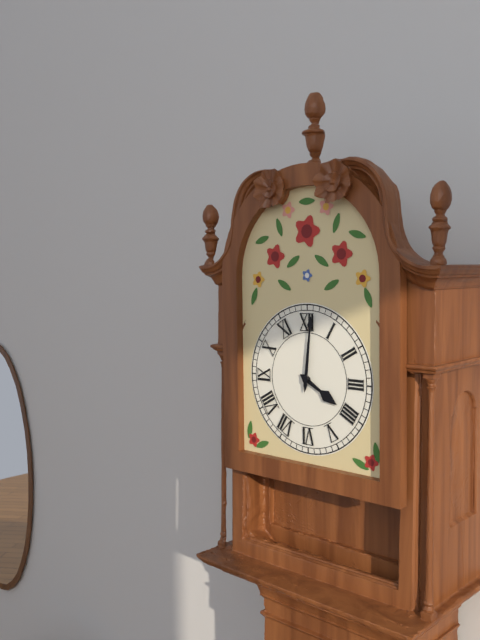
h=4 m=1
